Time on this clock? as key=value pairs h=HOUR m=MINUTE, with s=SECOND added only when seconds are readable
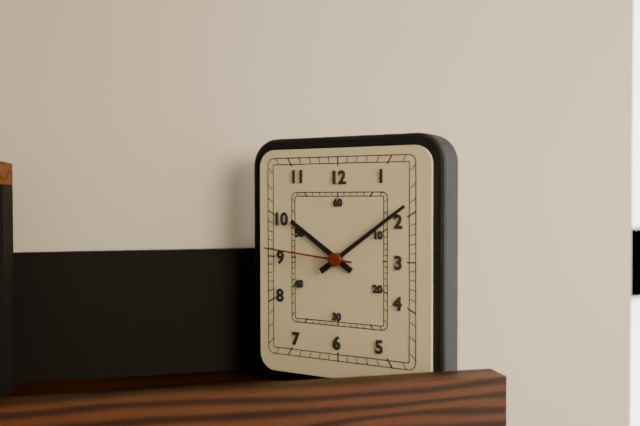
h=10 m=9 s=46
